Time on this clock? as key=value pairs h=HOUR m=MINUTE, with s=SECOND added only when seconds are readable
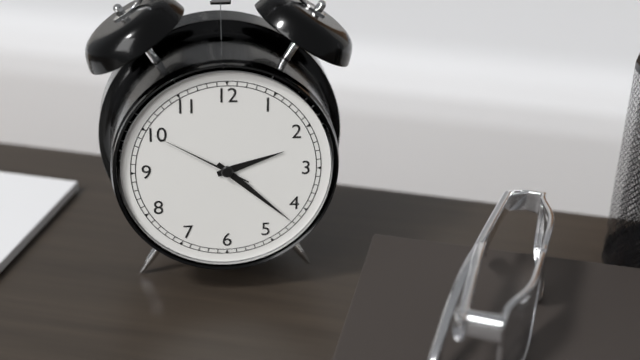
h=2 m=22 s=50
